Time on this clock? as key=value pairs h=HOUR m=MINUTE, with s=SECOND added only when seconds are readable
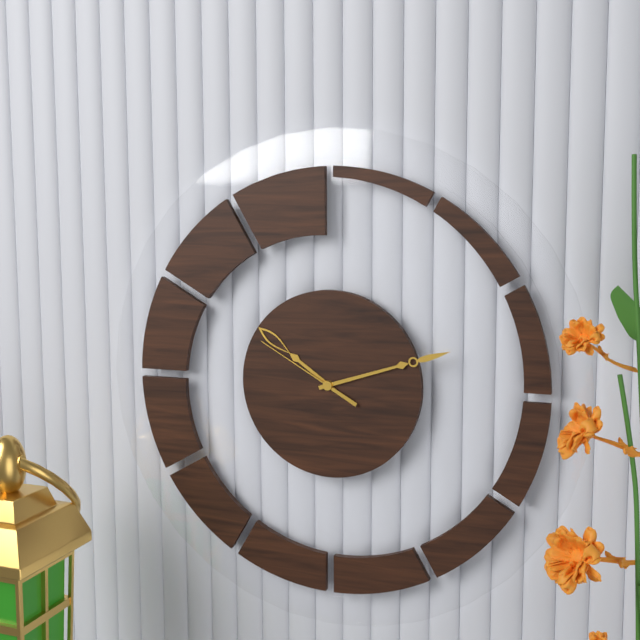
h=10 m=12 s=50
